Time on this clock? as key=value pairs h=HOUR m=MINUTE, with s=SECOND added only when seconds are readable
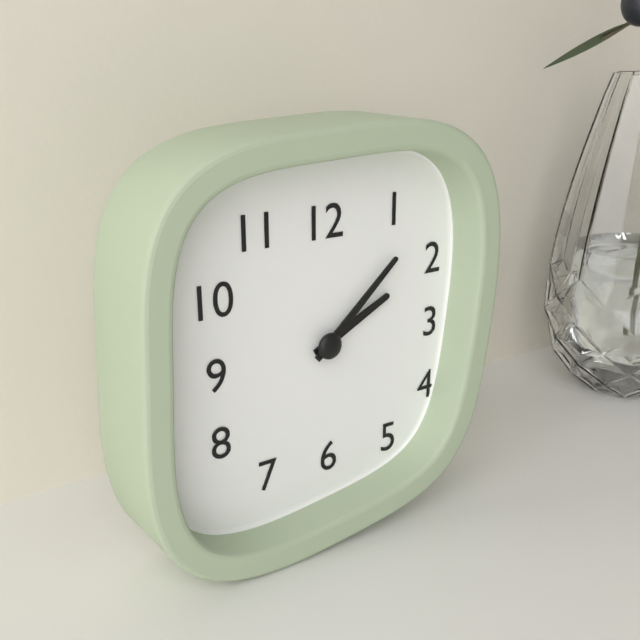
h=2 m=8
